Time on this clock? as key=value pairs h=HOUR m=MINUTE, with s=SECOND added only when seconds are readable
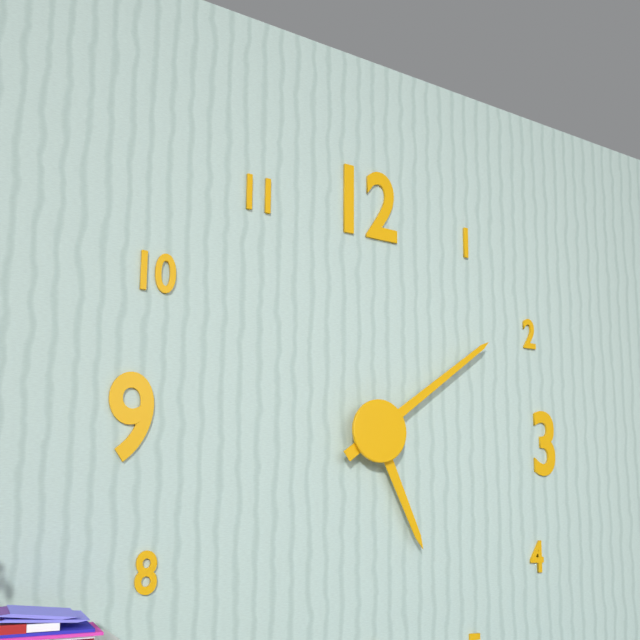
h=5 m=9
